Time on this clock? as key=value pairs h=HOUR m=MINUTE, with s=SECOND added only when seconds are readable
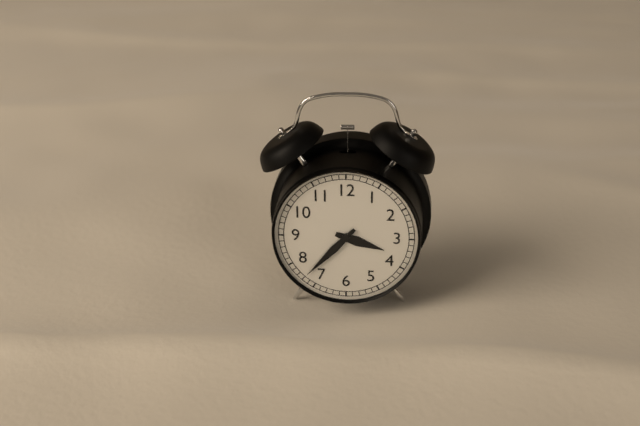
h=3 m=37
